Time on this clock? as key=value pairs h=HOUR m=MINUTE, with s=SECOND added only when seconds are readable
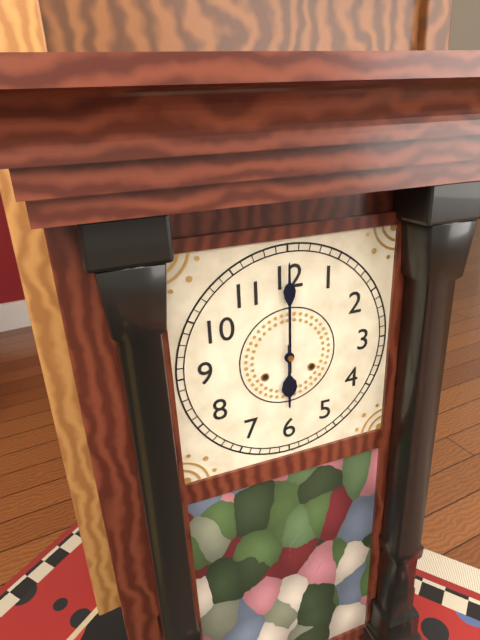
h=6 m=0
